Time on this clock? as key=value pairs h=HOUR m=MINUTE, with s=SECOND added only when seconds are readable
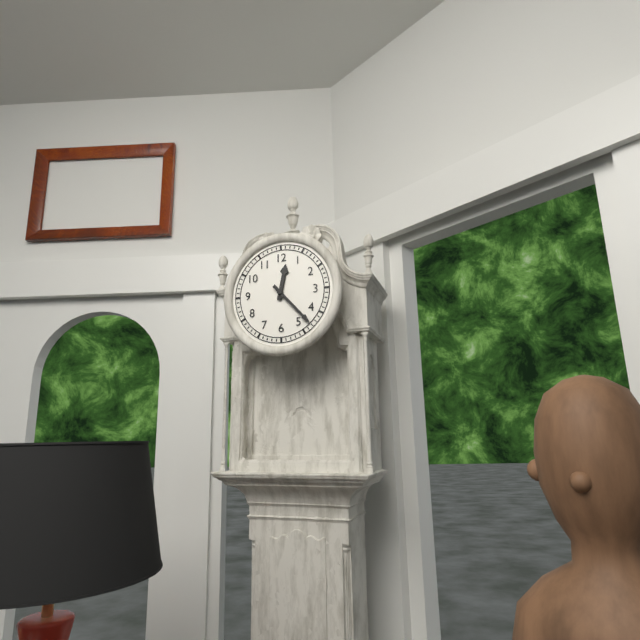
h=12 m=23
